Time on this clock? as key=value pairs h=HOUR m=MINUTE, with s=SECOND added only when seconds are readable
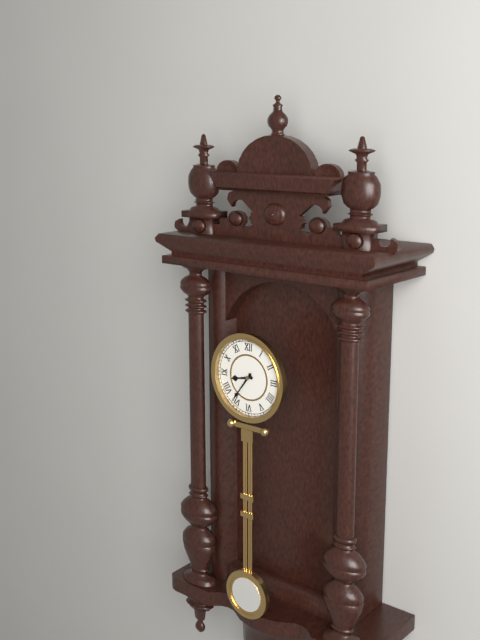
h=8 m=36
